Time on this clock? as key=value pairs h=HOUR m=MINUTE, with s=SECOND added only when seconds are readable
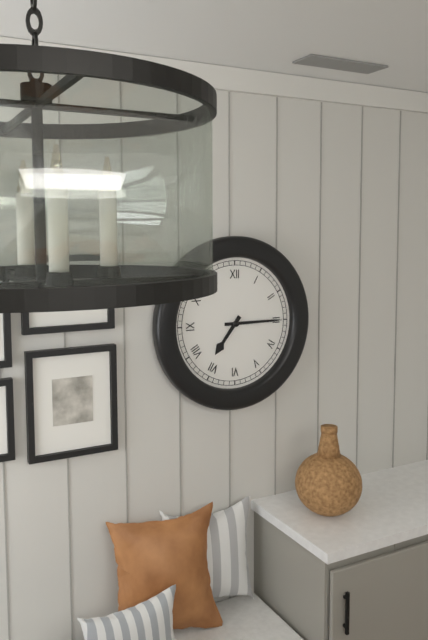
h=7 m=15
